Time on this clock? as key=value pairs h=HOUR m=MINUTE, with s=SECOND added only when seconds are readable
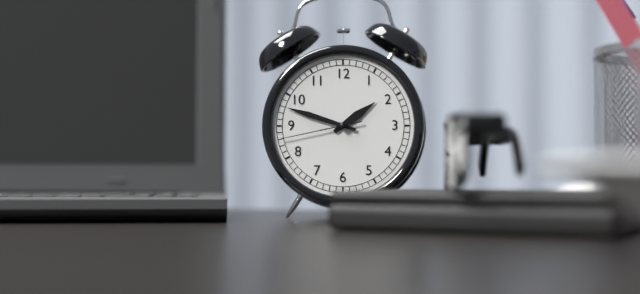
h=1 m=48 s=43
